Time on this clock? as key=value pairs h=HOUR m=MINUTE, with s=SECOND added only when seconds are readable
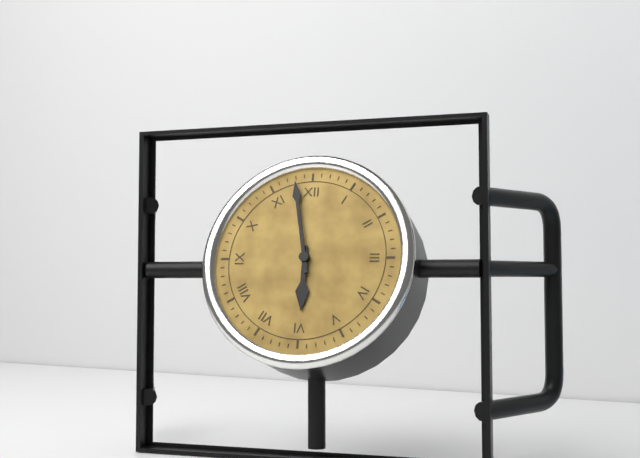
h=5 m=58
